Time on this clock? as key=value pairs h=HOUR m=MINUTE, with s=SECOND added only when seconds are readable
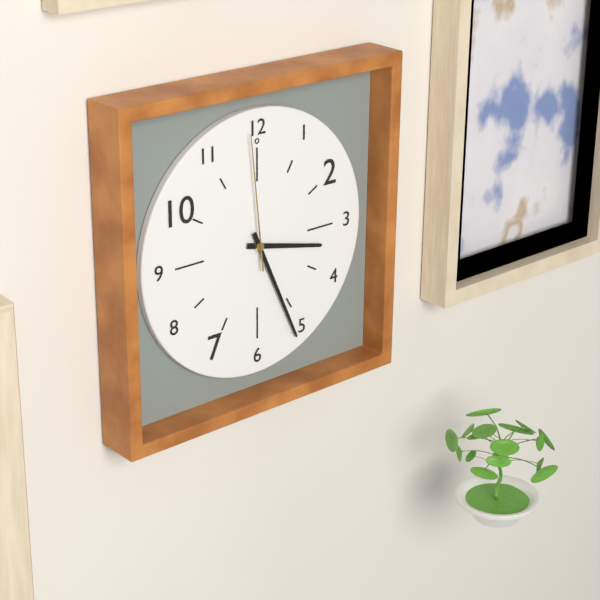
h=3 m=26 s=59
